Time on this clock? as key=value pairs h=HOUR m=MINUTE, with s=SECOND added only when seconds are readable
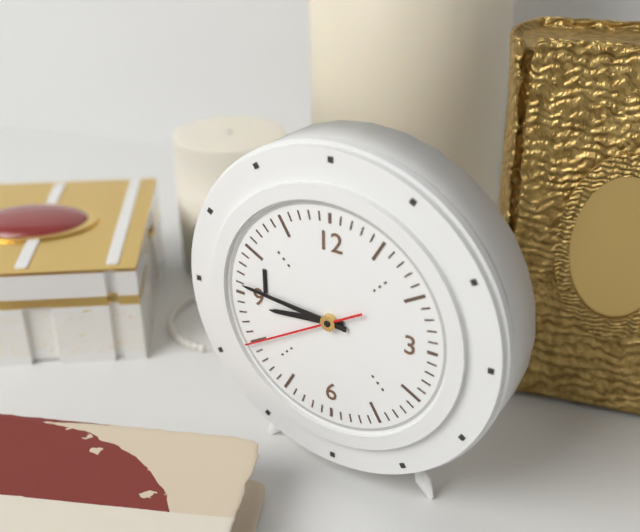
h=8 m=46 s=40
